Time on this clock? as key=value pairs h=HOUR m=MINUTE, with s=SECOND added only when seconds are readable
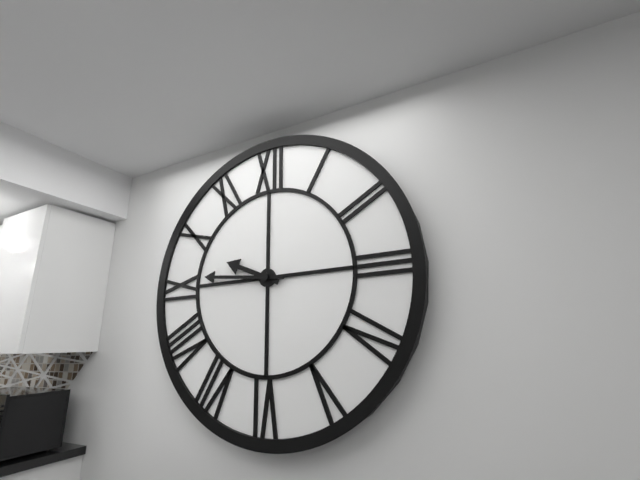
h=9 m=46
